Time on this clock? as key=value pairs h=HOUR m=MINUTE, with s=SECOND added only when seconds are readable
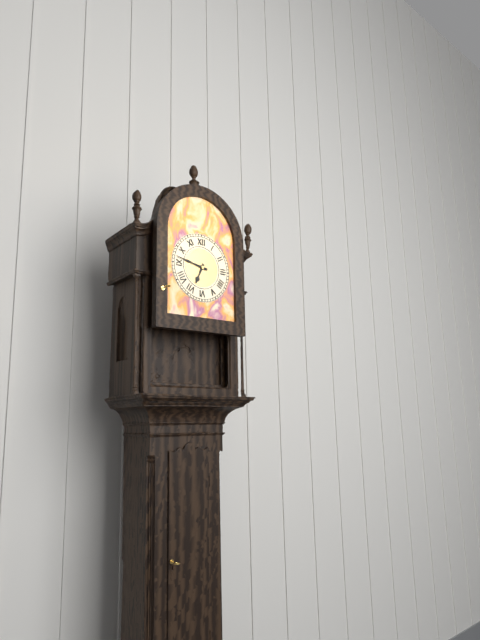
h=6 m=47
